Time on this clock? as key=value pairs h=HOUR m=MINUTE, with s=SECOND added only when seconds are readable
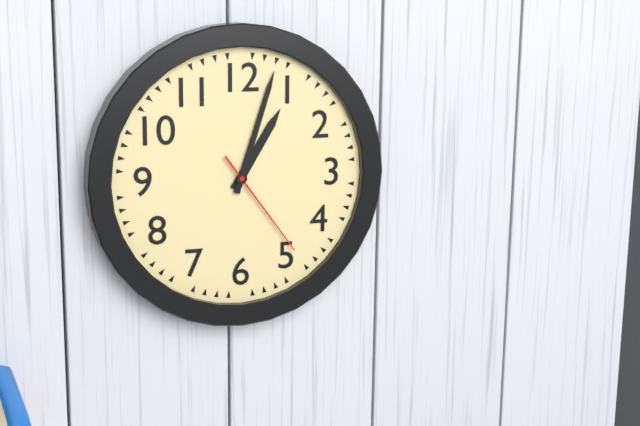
h=1 m=3 s=24
